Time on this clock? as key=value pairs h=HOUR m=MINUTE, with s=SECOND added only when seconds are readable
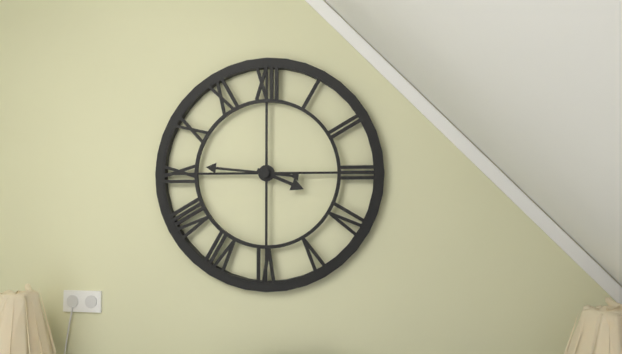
h=3 m=46
